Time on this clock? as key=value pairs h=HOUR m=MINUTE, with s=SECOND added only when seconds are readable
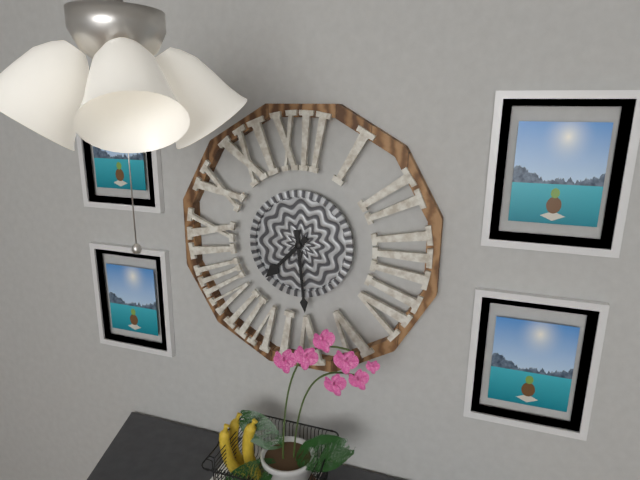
h=7 m=29
